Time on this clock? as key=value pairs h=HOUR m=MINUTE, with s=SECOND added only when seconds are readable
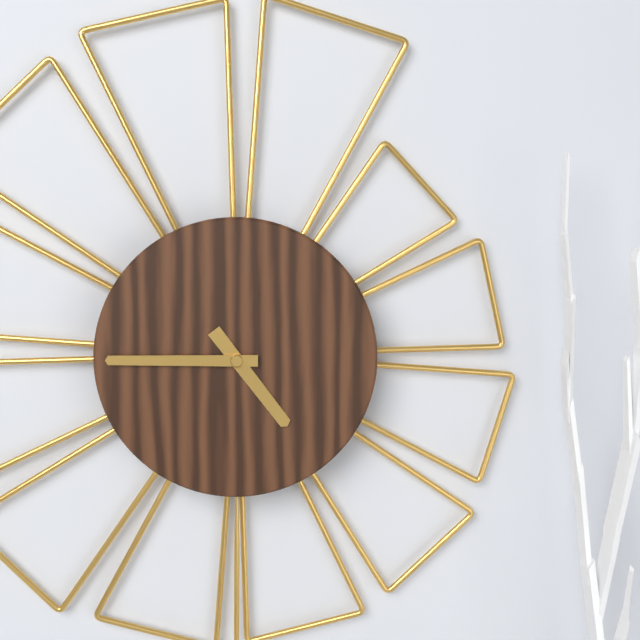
h=4 m=45
